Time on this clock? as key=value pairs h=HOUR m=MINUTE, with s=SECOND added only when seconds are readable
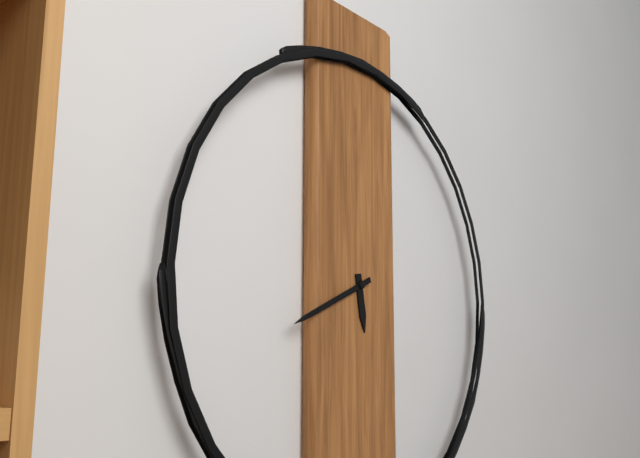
h=5 m=41
